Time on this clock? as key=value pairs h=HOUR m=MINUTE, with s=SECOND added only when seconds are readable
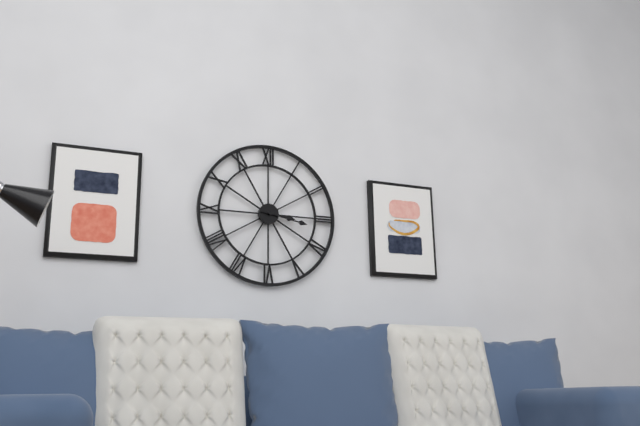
h=3 m=17
